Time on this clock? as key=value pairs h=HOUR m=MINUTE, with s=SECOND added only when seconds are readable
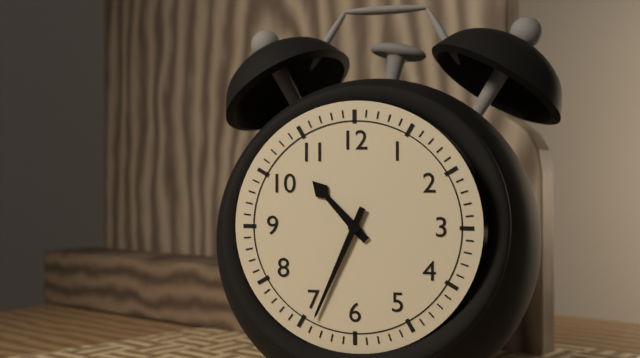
h=10 m=34
